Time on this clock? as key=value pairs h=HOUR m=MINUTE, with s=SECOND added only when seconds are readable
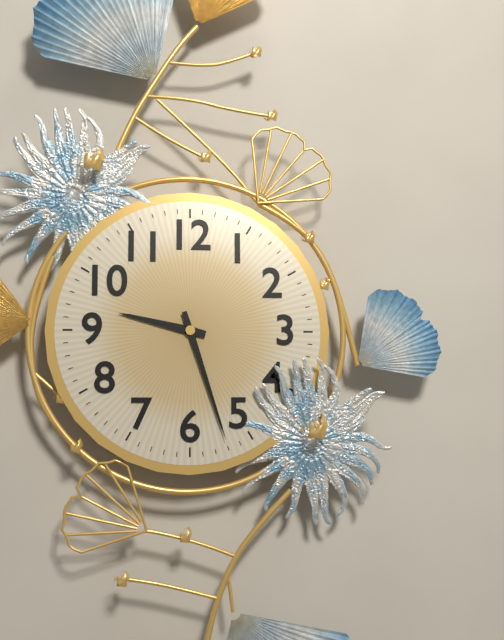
h=9 m=27
